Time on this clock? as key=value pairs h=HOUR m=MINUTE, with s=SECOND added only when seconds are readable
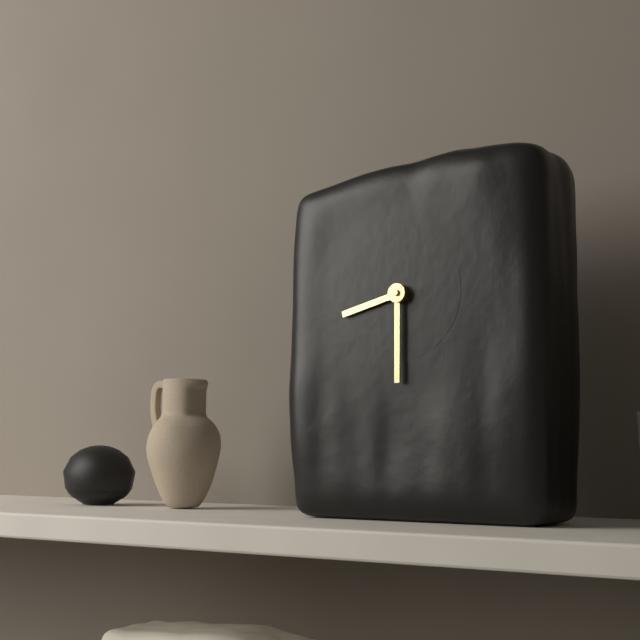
h=8 m=30
